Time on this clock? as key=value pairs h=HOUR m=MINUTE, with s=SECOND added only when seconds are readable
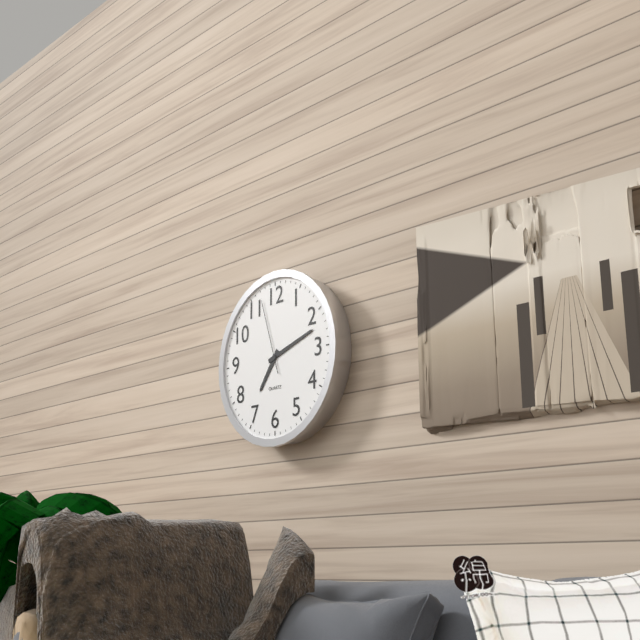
h=7 m=12 s=57
